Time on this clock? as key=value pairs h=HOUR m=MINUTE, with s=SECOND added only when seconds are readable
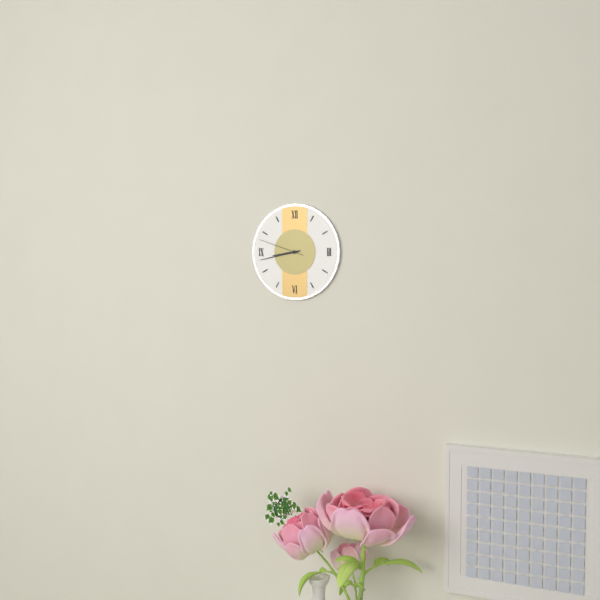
h=8 m=43
